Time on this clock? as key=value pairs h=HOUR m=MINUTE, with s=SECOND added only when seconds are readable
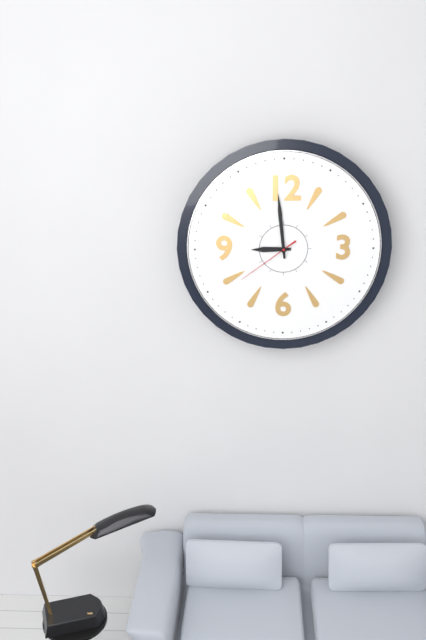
h=8 m=59 s=39
